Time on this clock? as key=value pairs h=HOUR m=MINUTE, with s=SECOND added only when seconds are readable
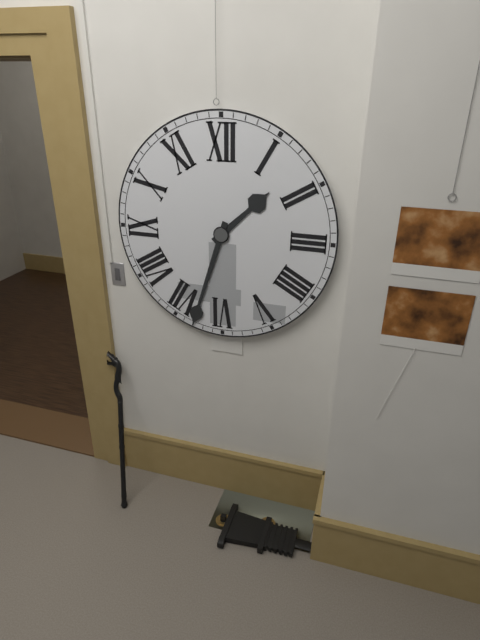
h=1 m=33
